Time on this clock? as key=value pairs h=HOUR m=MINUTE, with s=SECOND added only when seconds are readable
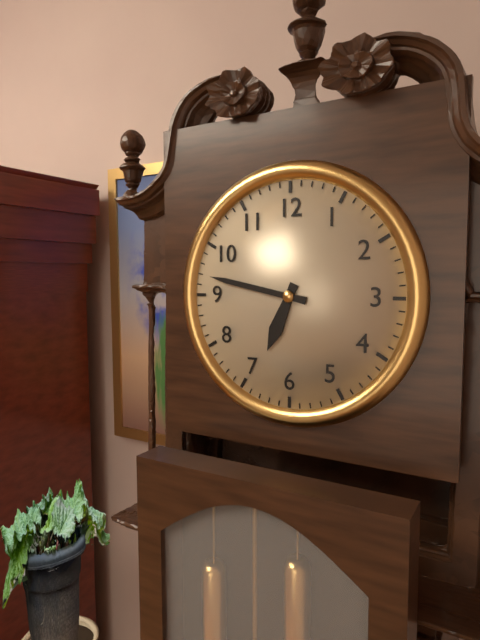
h=6 m=47
